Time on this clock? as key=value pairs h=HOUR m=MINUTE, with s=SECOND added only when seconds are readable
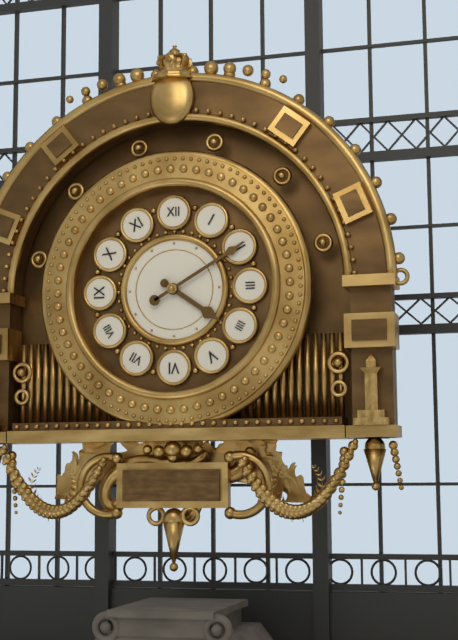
h=4 m=10
